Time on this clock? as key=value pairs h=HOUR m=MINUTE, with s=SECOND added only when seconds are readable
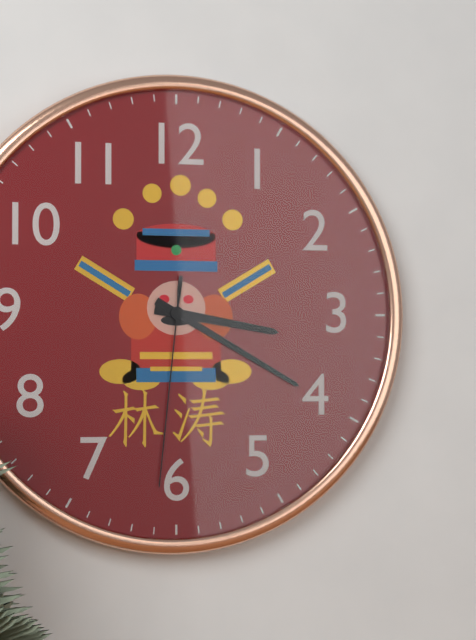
h=3 m=20 s=31
